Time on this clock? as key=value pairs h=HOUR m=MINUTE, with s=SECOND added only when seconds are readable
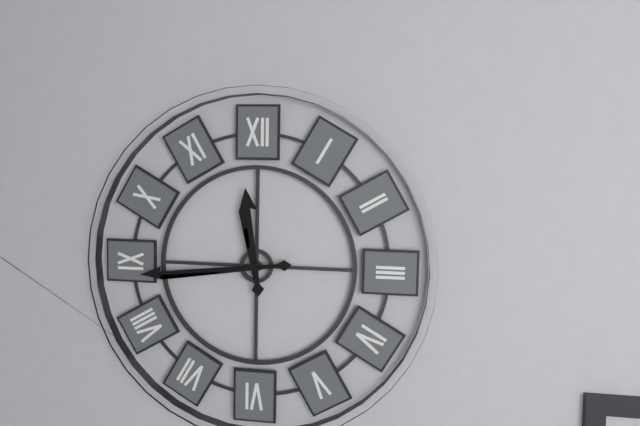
h=11 m=44
